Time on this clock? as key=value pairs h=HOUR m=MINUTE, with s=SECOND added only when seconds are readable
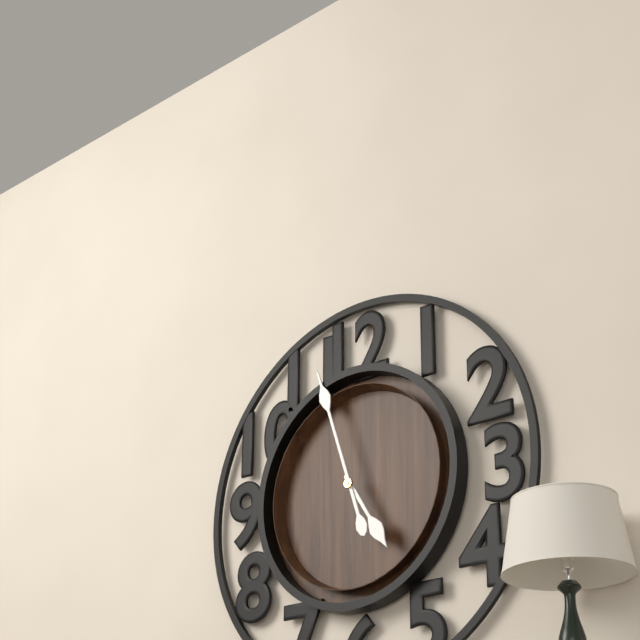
h=4 m=57
